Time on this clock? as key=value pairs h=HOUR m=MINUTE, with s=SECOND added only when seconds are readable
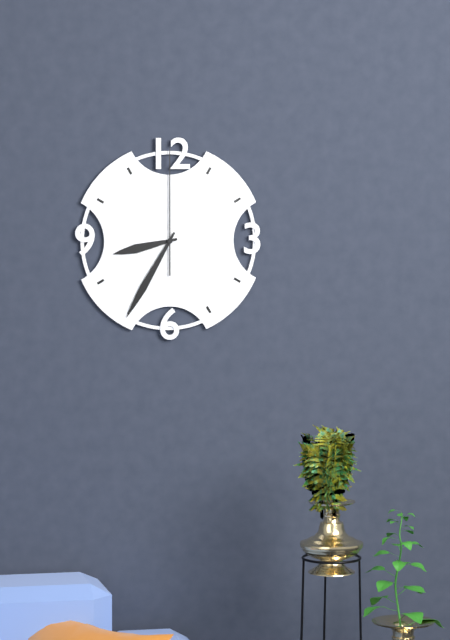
h=8 m=35 s=0
